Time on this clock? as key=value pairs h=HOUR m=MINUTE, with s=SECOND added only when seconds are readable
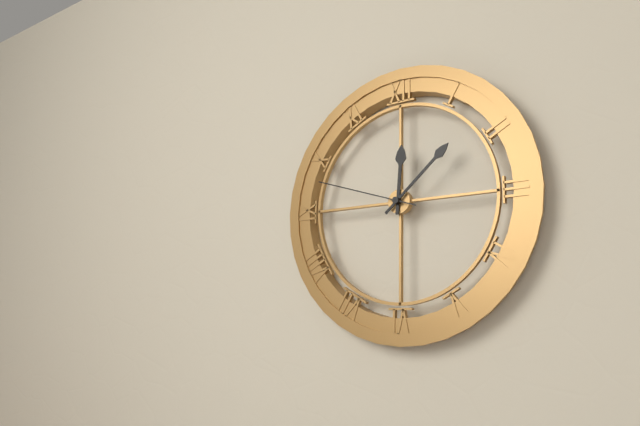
h=12 m=8 s=48
